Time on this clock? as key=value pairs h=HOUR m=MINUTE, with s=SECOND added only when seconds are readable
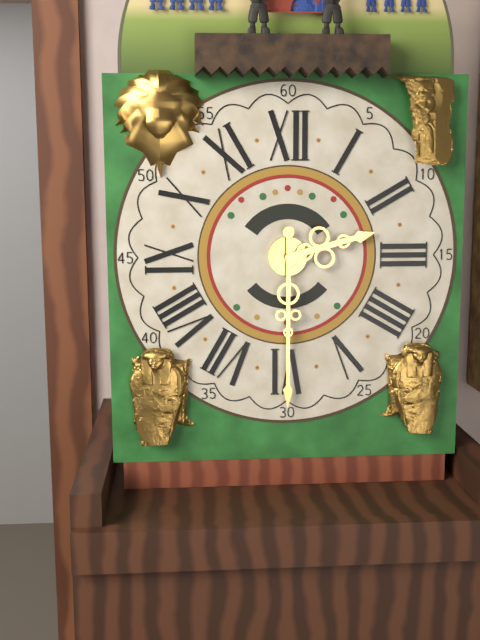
h=2 m=30
